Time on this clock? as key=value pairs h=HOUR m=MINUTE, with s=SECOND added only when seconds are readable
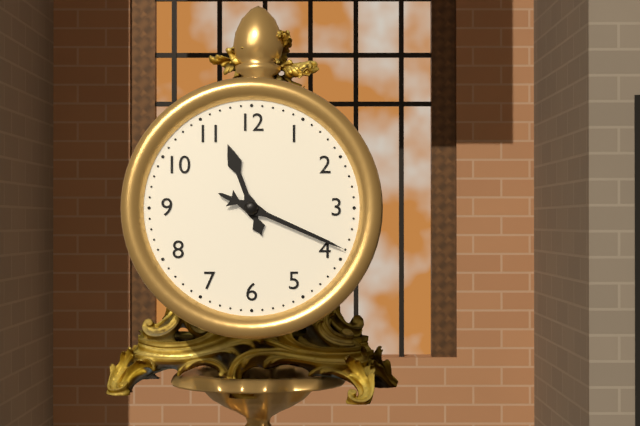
h=11 m=19
